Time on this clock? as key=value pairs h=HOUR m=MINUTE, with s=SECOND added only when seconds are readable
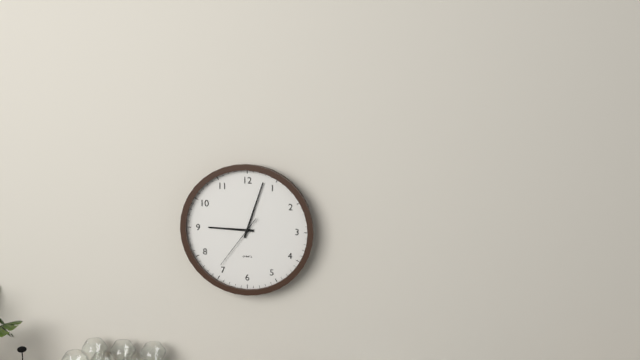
h=9 m=3 s=36
